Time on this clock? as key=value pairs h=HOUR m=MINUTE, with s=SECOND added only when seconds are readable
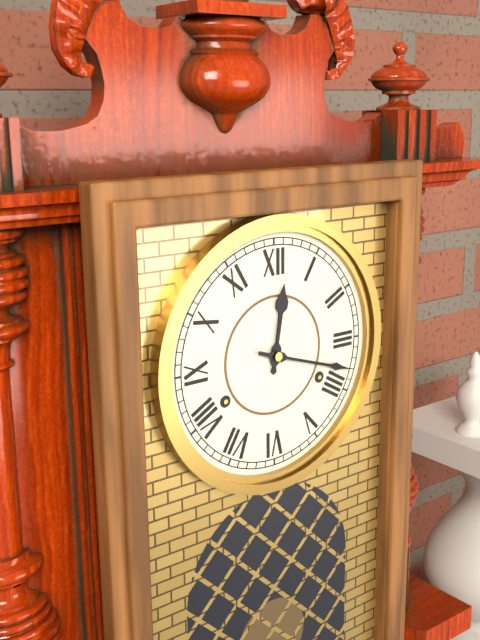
h=12 m=18
